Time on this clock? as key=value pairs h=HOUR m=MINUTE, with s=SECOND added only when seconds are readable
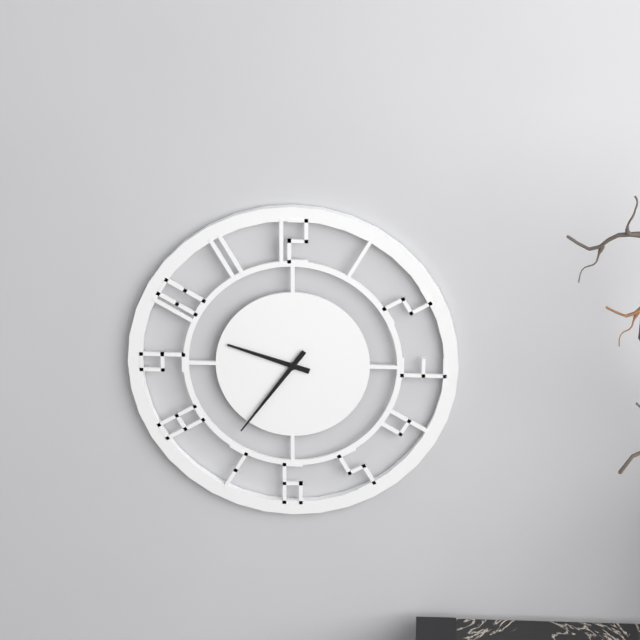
h=9 m=36
